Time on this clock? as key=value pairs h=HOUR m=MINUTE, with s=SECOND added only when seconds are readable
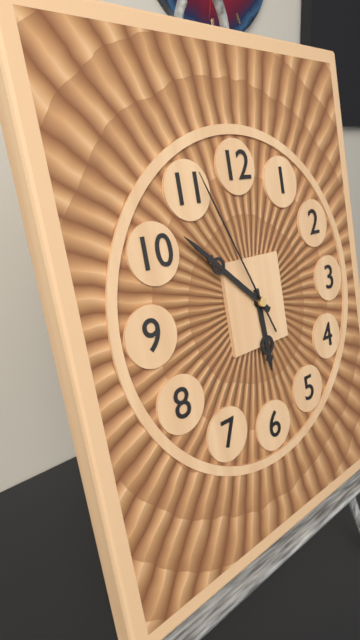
h=5 m=52 s=56
